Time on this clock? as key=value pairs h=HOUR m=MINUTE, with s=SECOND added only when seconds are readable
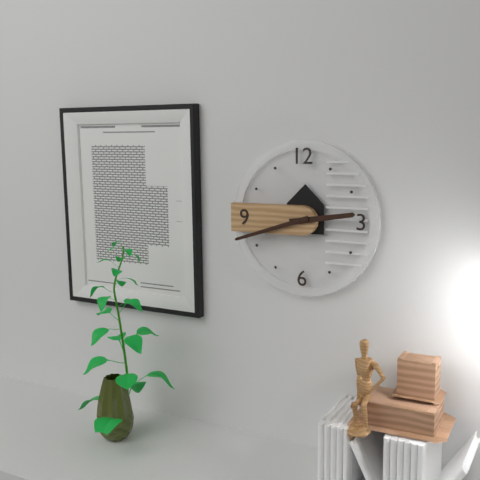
h=2 m=42
